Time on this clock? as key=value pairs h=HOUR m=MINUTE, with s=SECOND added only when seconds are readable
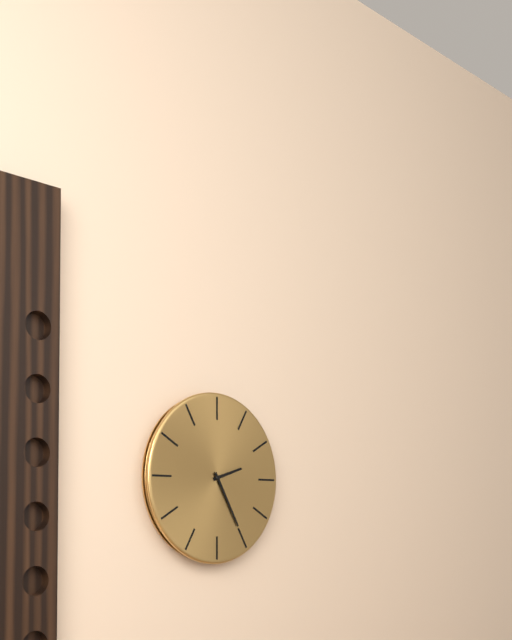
h=2 m=25
